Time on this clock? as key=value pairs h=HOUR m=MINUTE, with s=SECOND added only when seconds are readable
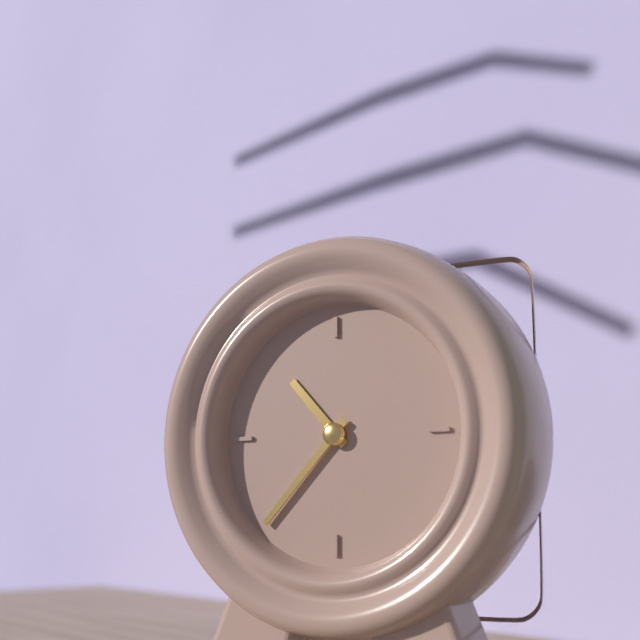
h=10 m=37
